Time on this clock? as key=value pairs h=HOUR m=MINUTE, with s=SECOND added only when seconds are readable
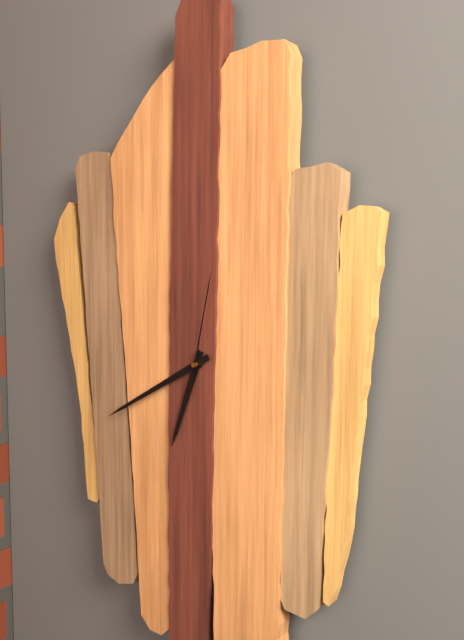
h=6 m=40 s=2
